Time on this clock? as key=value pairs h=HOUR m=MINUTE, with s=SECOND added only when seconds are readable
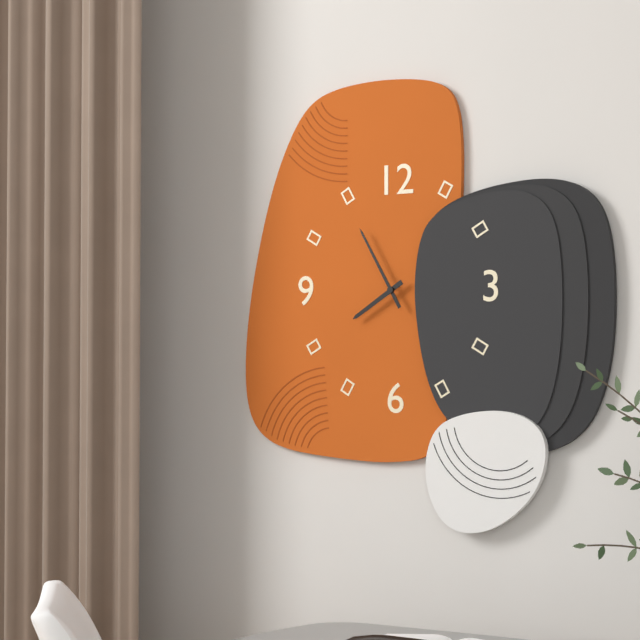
h=7 m=55
